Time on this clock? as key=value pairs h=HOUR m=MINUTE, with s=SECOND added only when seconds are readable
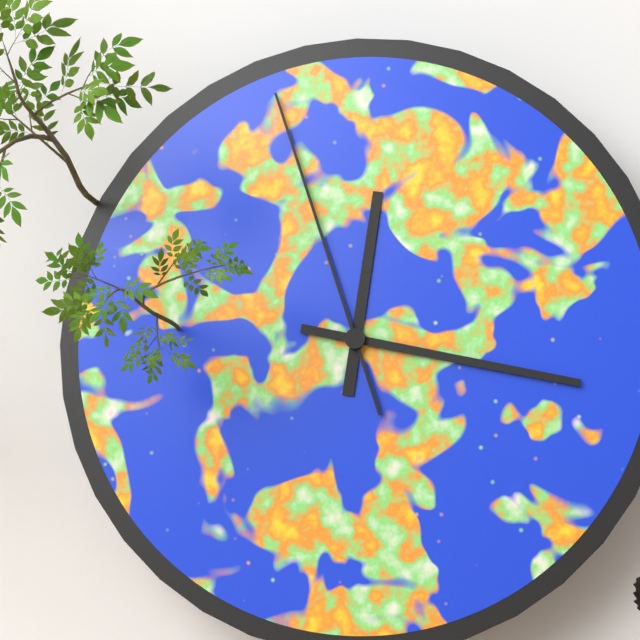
h=12 m=17 s=57
